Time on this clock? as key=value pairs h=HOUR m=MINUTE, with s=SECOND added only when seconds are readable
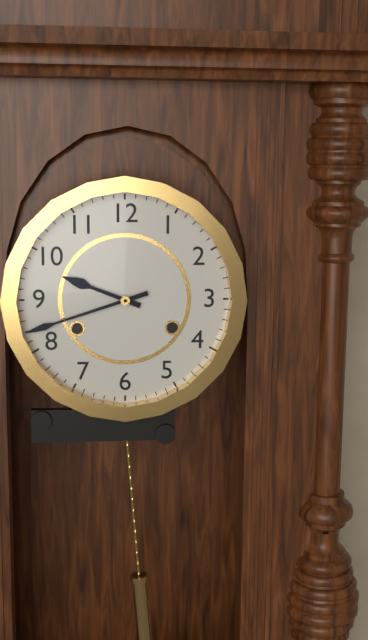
h=9 m=42
